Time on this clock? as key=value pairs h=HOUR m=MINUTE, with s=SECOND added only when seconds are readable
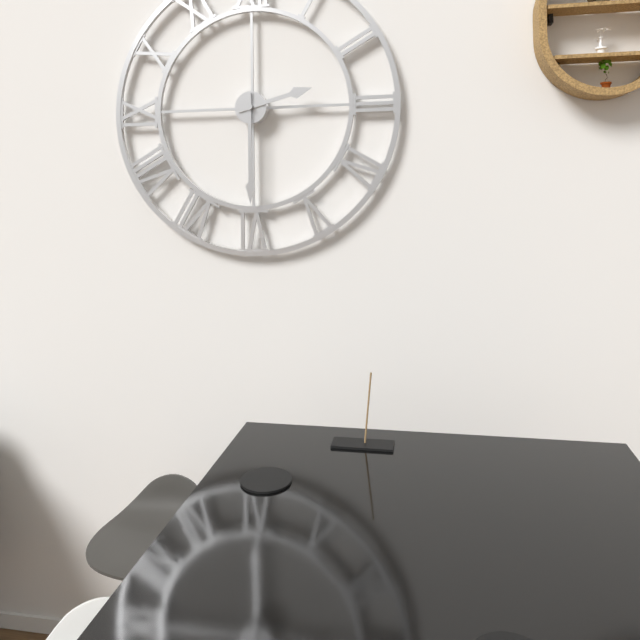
h=2 m=30
